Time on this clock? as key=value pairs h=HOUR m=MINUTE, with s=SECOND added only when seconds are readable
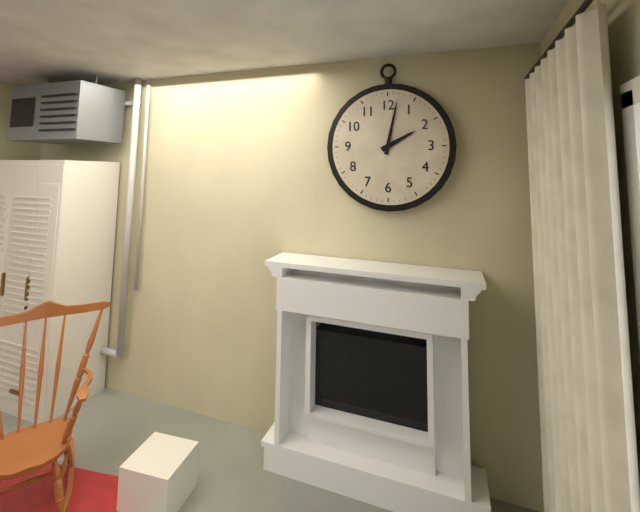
h=2 m=2
